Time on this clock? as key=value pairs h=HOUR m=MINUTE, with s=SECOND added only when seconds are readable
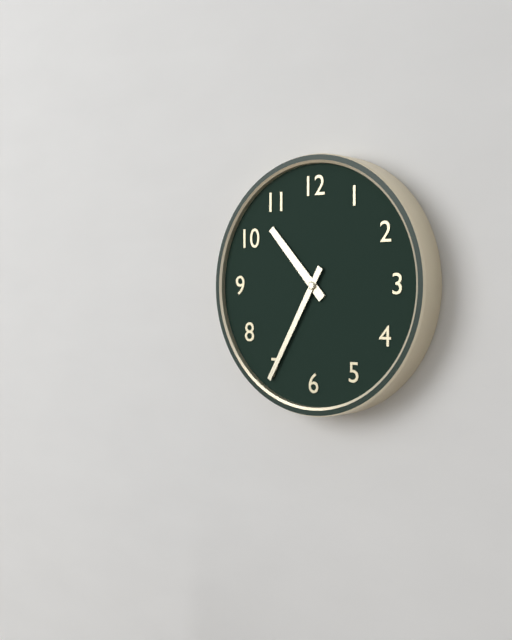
h=10 m=35
